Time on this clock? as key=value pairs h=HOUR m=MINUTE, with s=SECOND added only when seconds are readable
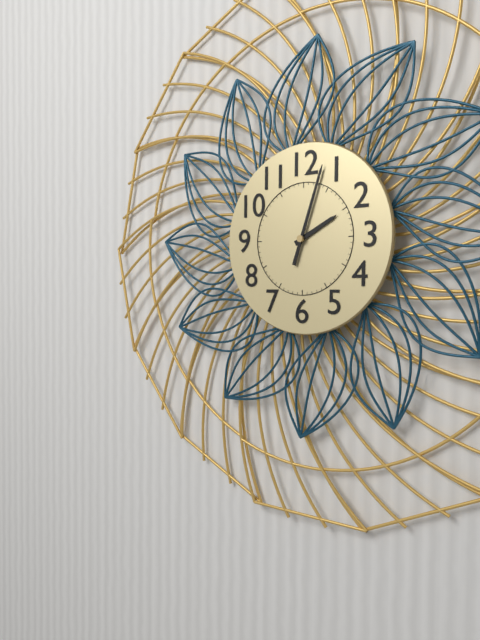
h=2 m=3
